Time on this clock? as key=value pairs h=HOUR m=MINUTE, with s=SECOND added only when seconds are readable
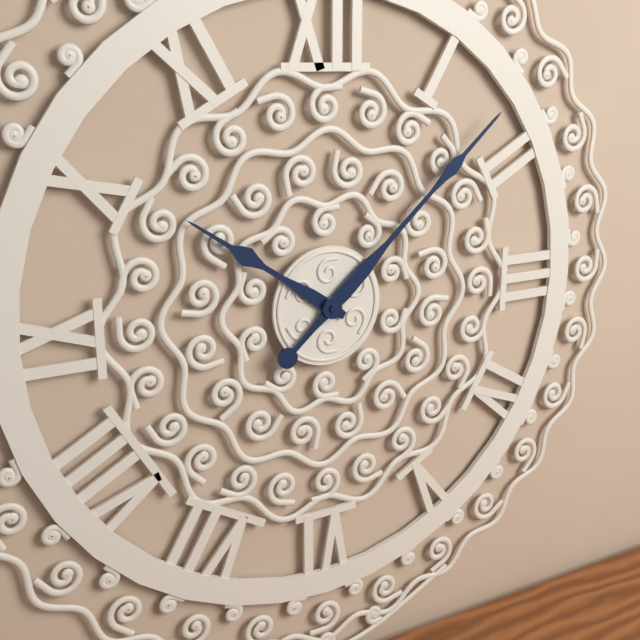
h=10 m=8
